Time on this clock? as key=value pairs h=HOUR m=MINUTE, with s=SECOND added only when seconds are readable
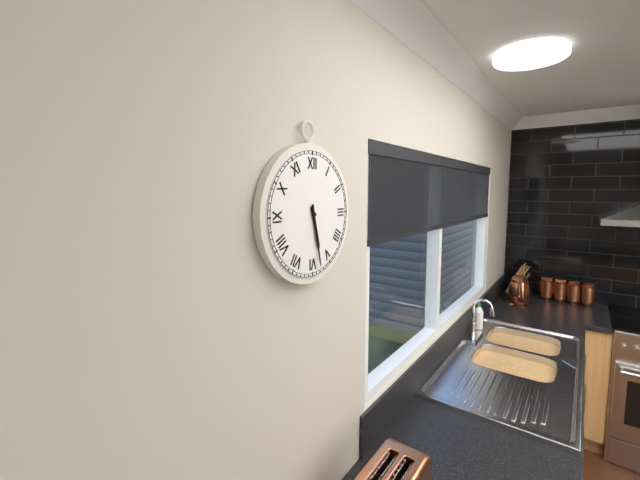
h=5 m=28
